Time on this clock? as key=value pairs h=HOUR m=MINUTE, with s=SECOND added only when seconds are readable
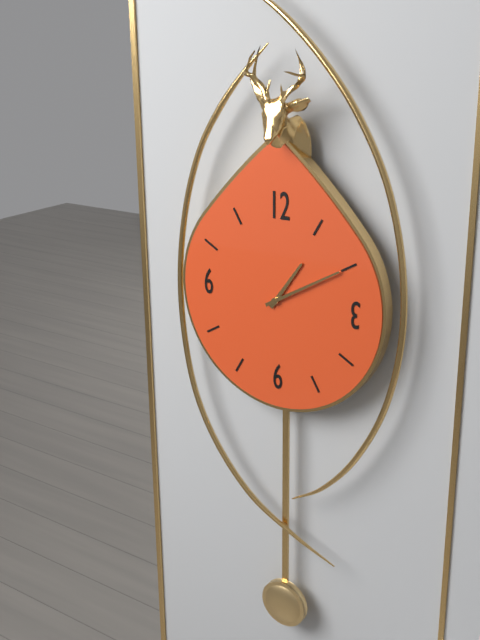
h=1 m=10
